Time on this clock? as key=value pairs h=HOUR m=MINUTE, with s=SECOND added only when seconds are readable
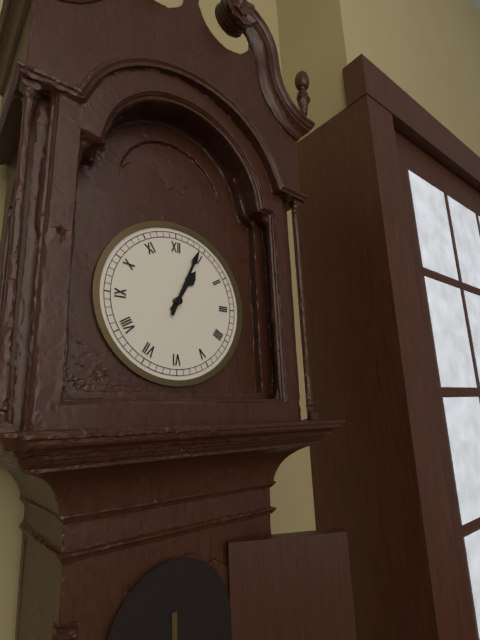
h=1 m=4
